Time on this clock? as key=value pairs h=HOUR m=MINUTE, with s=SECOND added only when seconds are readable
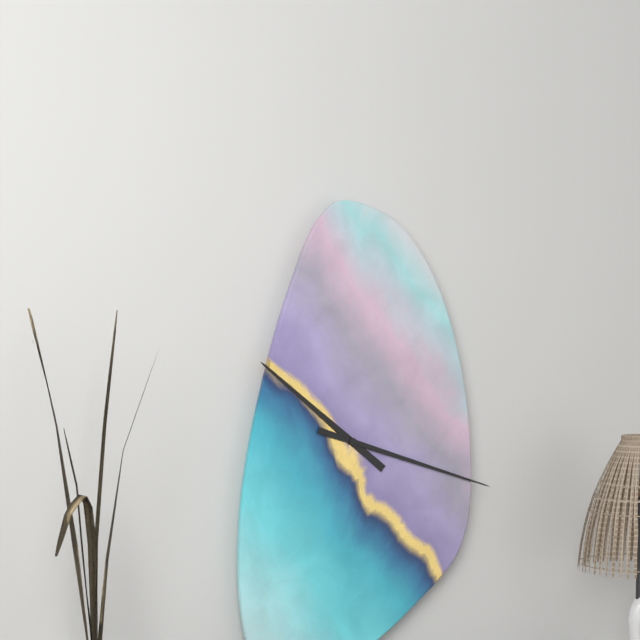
h=10 m=18
